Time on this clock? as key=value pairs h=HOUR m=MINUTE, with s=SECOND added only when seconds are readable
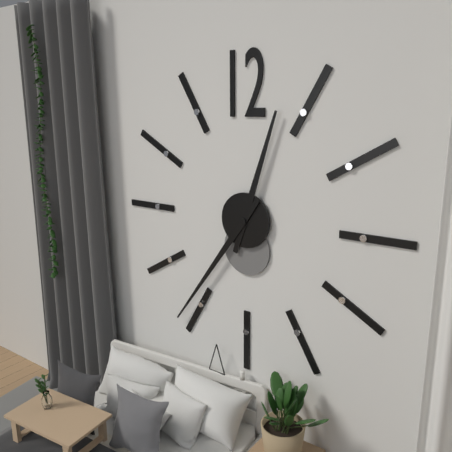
h=12 m=36
